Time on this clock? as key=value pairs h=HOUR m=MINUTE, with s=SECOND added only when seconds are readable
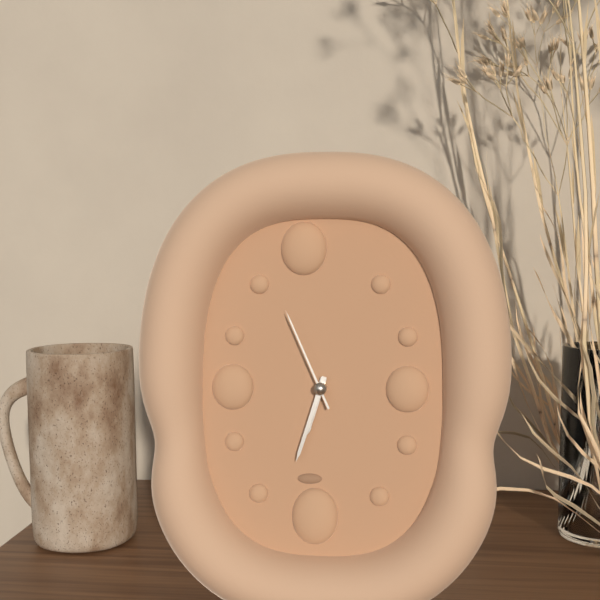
h=6 m=33 s=56
